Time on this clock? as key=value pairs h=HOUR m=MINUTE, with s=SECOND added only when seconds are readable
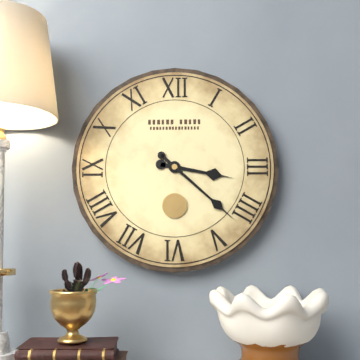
h=3 m=22
